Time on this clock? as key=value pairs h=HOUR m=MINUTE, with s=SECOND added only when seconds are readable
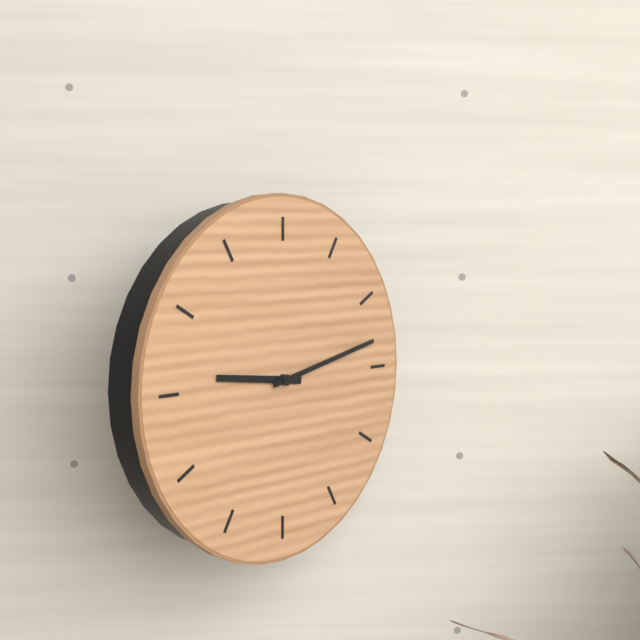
h=9 m=13
